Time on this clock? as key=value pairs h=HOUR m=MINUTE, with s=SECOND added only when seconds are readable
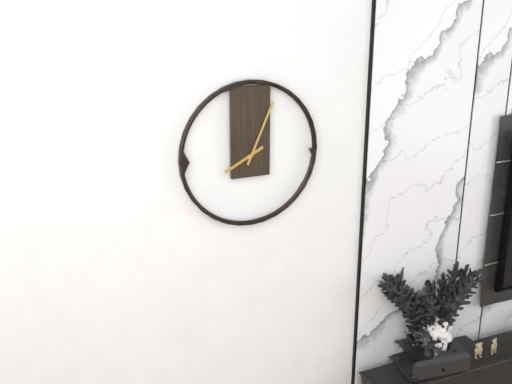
h=8 m=4
